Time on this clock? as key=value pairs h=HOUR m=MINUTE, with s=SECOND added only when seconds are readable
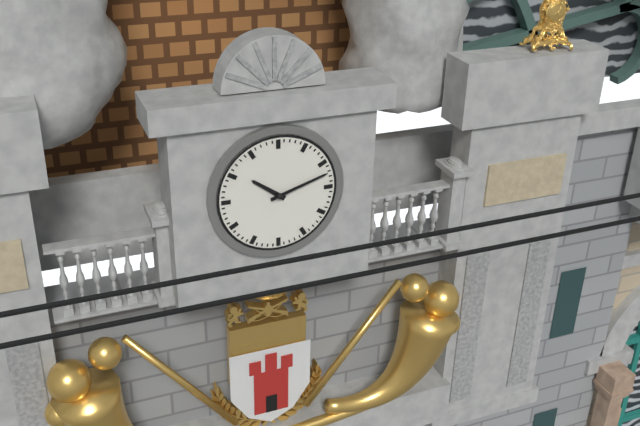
h=10 m=12
